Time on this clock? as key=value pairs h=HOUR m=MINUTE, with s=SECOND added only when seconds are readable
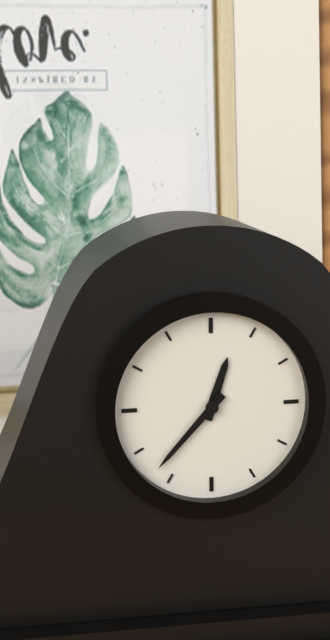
h=12 m=37
